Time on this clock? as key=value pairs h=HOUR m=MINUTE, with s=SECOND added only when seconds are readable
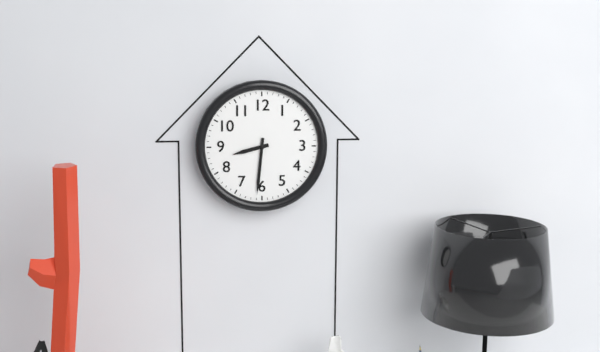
h=8 m=31
